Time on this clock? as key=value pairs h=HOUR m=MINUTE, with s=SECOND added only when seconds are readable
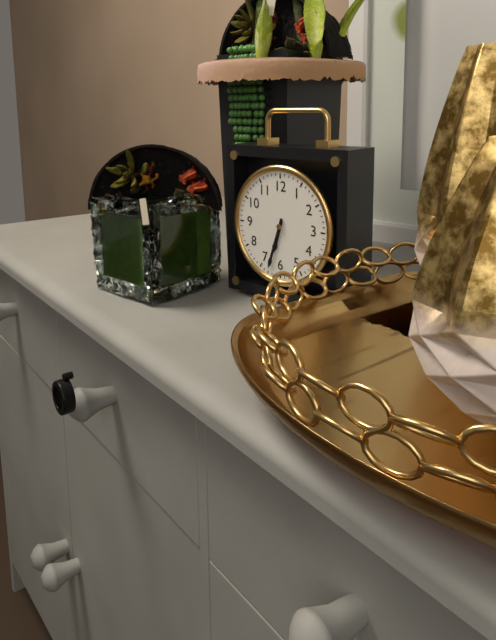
h=6 m=33
